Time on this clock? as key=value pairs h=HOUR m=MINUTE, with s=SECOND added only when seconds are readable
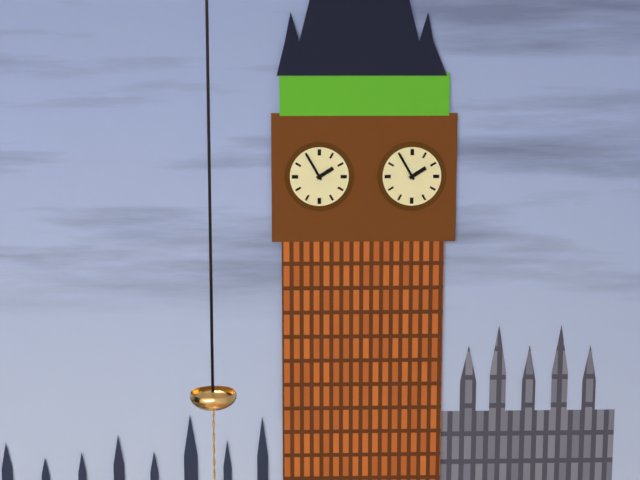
h=1 m=55
